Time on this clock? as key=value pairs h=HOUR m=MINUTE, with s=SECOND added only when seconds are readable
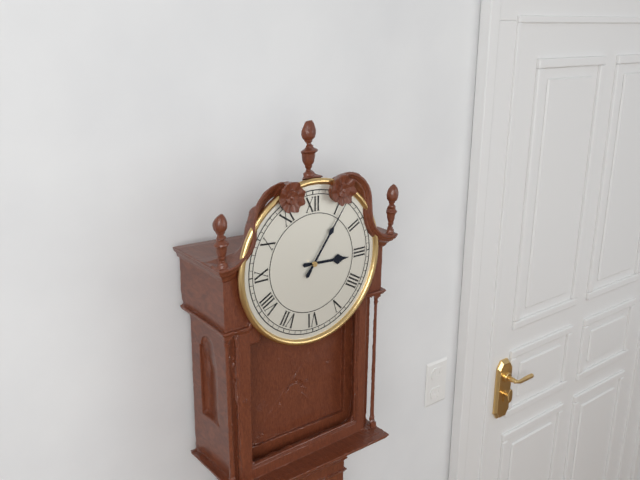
h=3 m=6
